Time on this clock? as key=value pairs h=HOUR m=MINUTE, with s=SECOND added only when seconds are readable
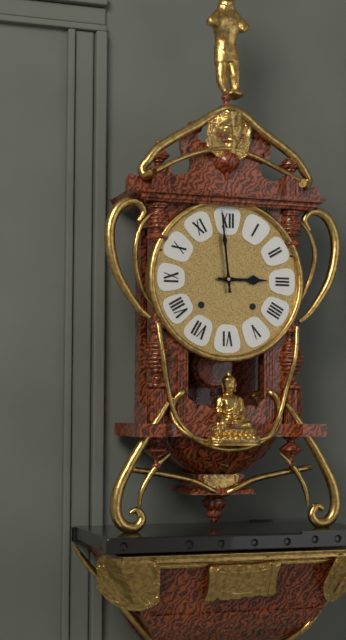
h=2 m=59
